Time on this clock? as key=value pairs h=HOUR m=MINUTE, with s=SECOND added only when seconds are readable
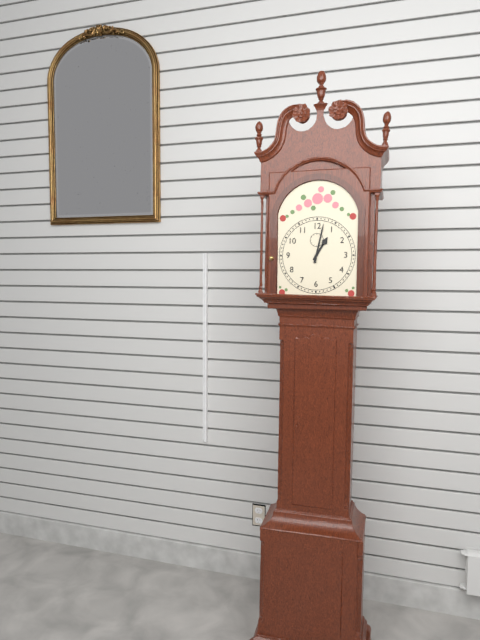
h=1 m=2
